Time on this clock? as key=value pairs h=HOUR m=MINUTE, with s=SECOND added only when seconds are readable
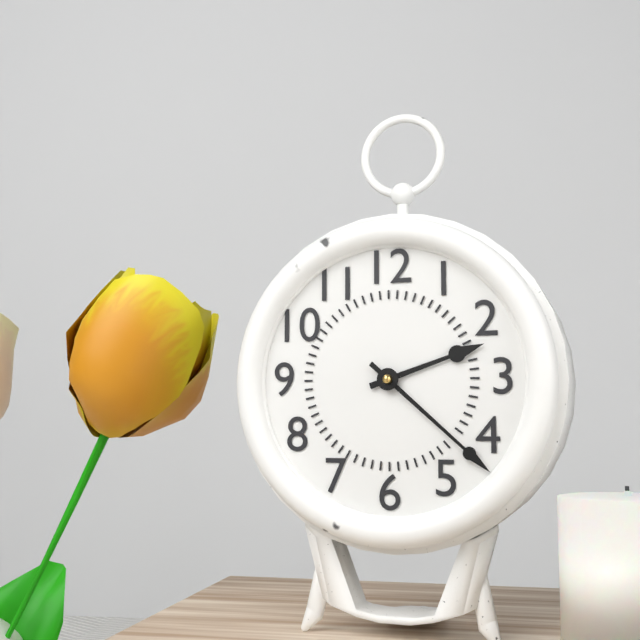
h=2 m=22
